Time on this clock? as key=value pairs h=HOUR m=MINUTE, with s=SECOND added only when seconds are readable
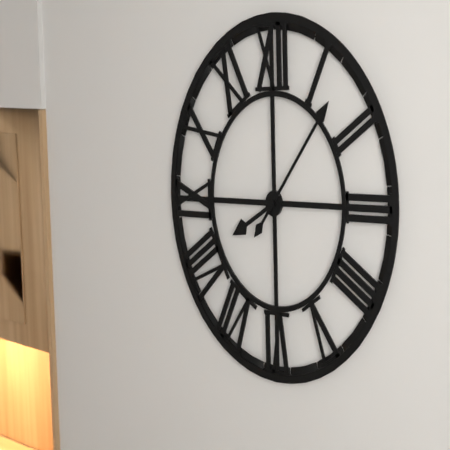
h=8 m=7
